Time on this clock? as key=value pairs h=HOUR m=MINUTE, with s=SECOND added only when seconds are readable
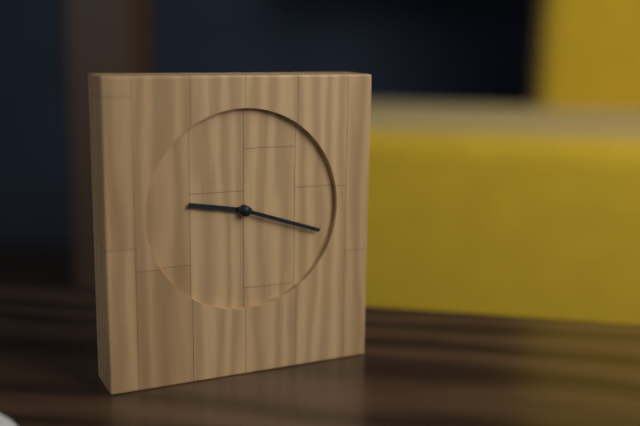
h=9 m=18
